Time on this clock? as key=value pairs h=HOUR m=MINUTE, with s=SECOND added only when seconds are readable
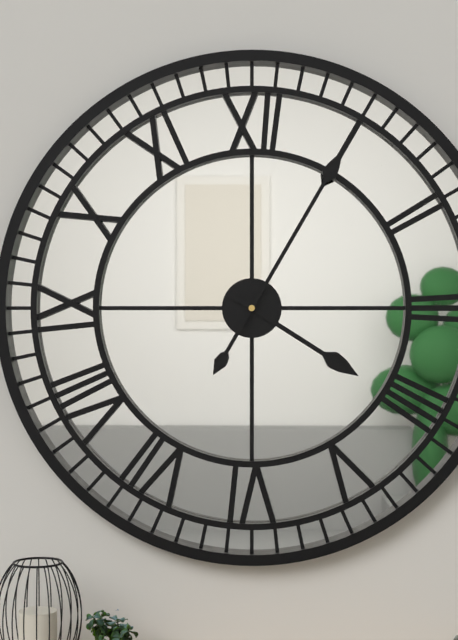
h=4 m=5
